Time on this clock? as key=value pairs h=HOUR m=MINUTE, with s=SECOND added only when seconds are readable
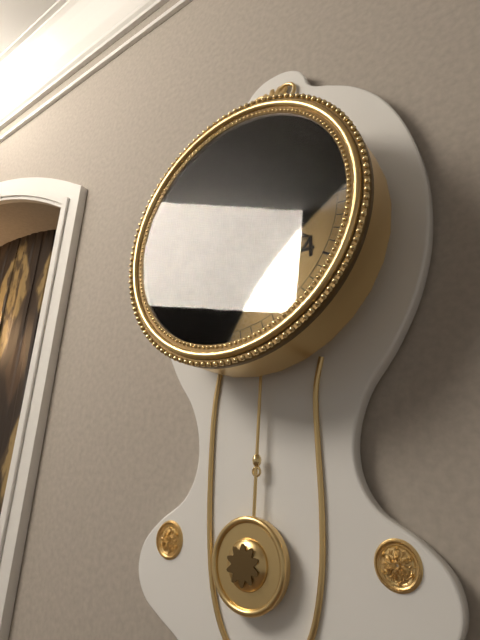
h=2 m=19
